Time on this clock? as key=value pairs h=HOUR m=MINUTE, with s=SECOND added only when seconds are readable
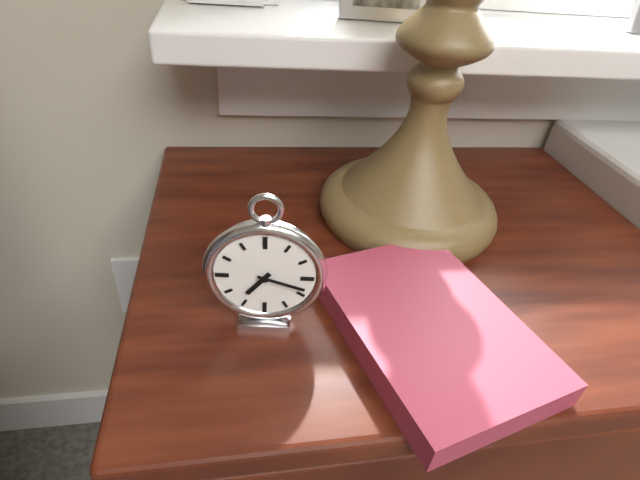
h=7 m=18
